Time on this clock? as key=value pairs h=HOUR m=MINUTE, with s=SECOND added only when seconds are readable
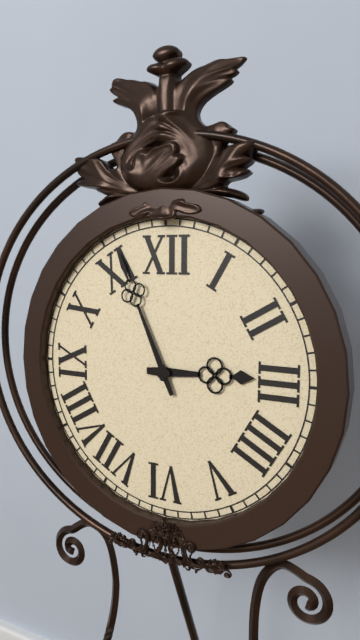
h=2 m=56
